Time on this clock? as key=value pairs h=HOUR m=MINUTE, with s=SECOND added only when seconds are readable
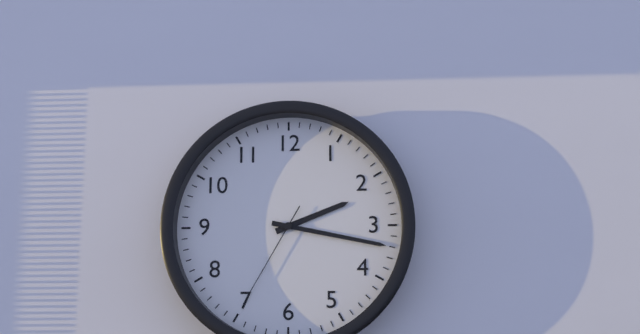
h=2 m=17 s=35
